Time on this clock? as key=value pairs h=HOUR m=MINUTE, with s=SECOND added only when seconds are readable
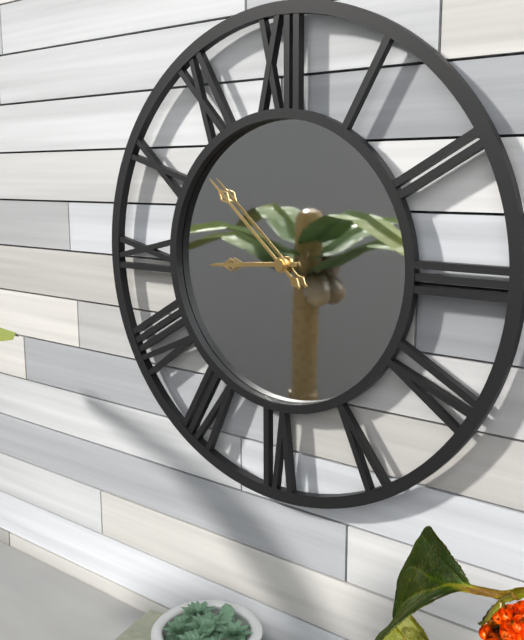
h=8 m=52
